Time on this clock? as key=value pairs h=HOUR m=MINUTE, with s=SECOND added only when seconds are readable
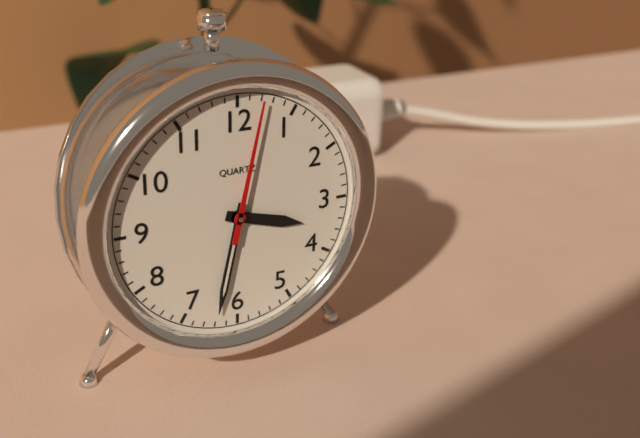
h=3 m=32 s=2
